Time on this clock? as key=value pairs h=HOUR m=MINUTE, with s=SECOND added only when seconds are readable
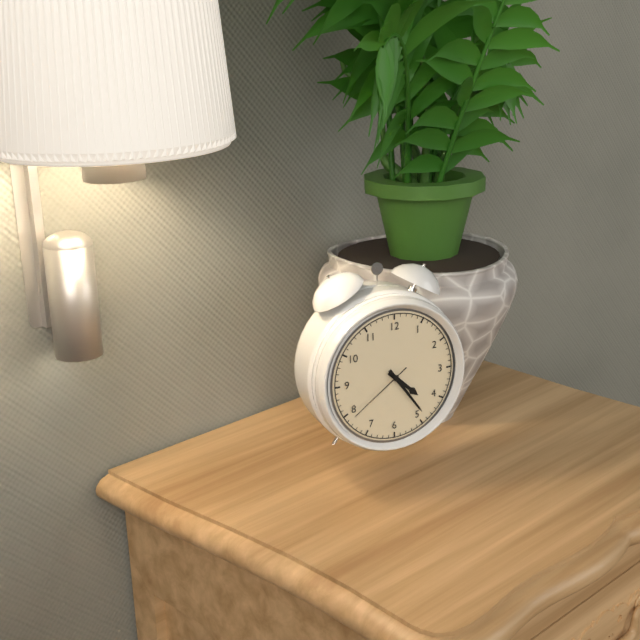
h=4 m=24 s=39
